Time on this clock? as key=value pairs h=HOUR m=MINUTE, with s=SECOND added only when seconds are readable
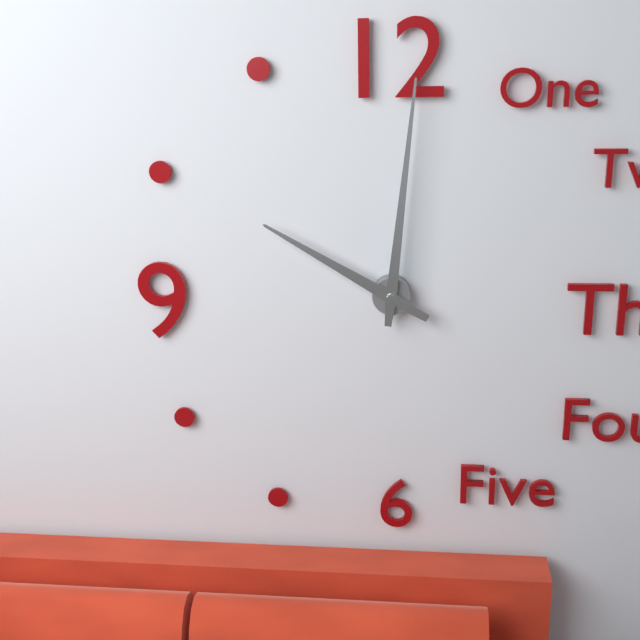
h=10 m=1
